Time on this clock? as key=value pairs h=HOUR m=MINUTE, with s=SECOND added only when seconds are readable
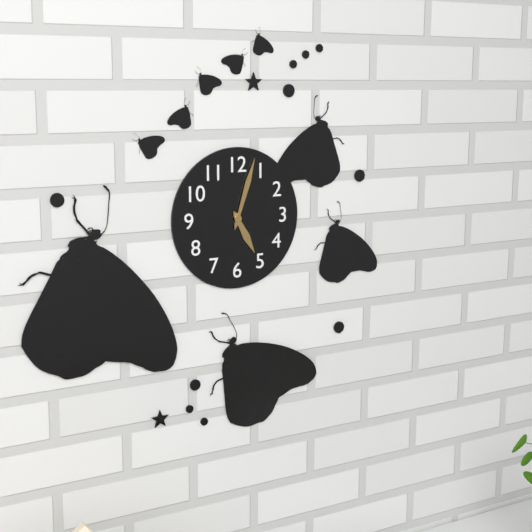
h=5 m=3
